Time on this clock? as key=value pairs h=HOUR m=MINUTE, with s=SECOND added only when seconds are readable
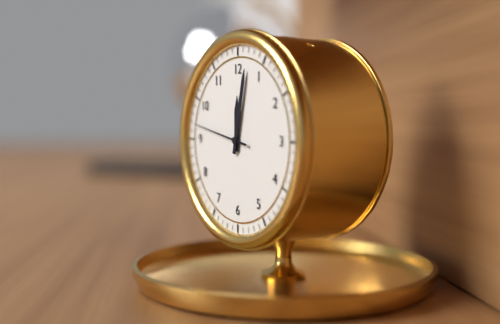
h=12 m=2 s=47
